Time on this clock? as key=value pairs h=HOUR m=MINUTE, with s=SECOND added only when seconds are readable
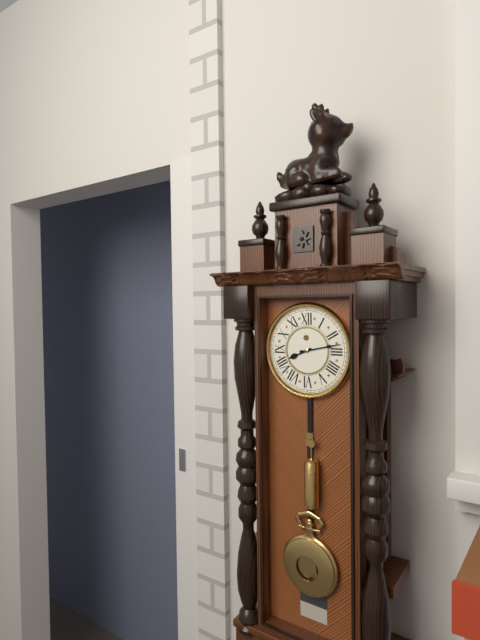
h=8 m=13
